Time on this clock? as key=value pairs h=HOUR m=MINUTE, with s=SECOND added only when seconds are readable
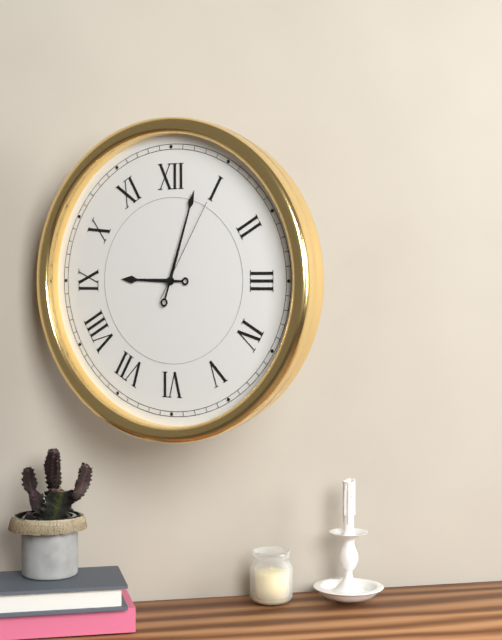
h=9 m=3 s=5
